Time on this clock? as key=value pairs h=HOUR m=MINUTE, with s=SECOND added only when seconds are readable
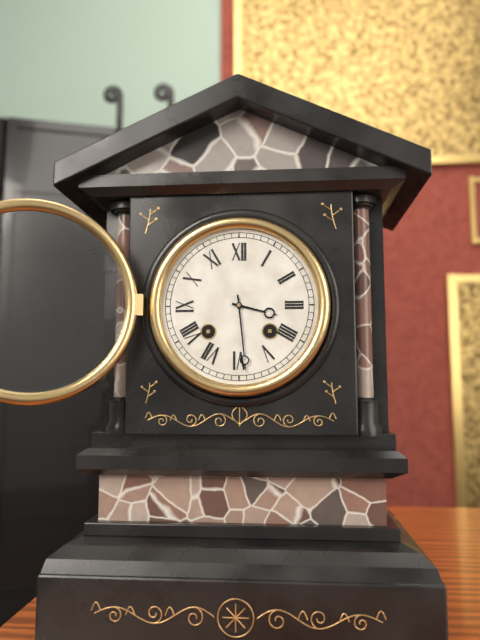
h=3 m=29
